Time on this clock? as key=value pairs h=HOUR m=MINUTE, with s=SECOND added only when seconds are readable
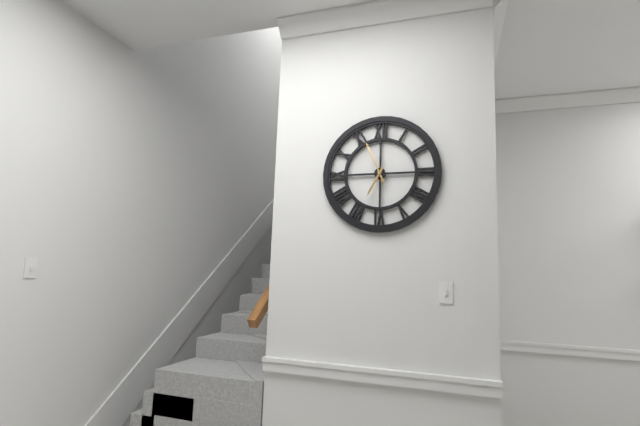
h=6 m=56
